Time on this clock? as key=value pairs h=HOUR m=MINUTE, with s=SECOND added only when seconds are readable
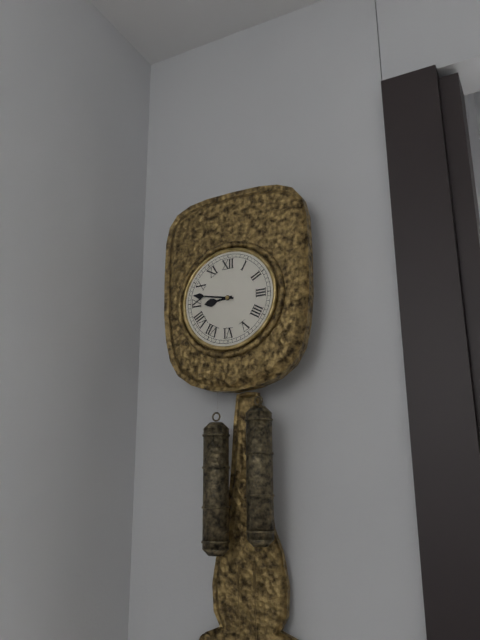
h=8 m=47
